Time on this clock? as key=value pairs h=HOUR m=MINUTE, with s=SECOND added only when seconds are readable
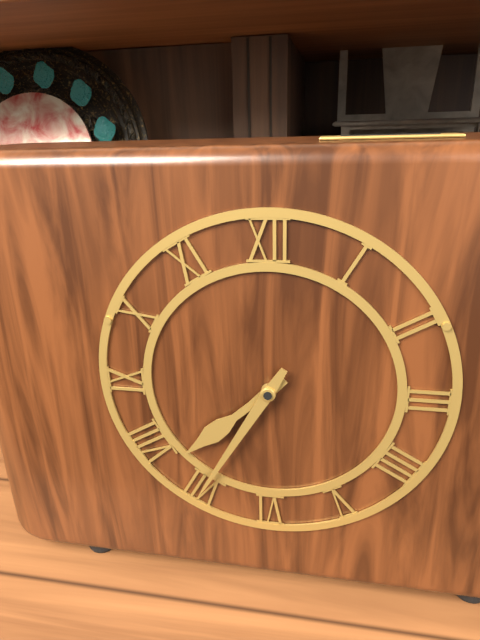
h=7 m=35
